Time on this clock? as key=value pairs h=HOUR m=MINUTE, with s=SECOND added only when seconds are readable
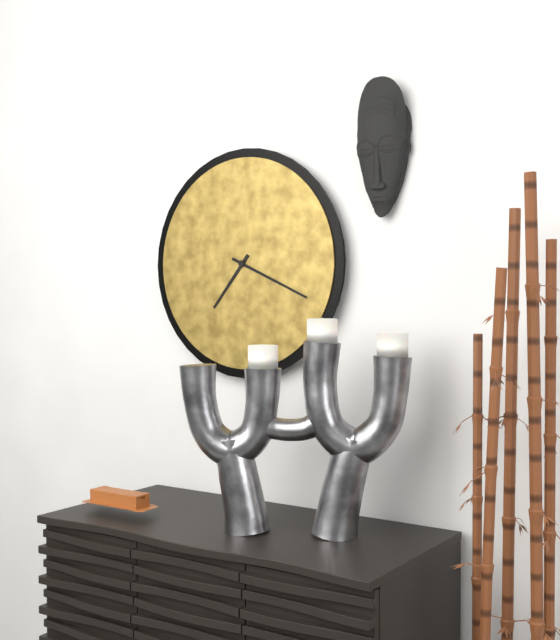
h=7 m=19
